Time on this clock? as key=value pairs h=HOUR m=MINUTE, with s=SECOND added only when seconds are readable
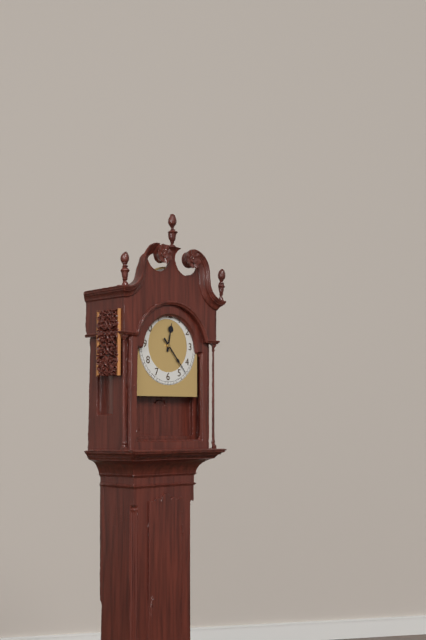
h=12 m=23
